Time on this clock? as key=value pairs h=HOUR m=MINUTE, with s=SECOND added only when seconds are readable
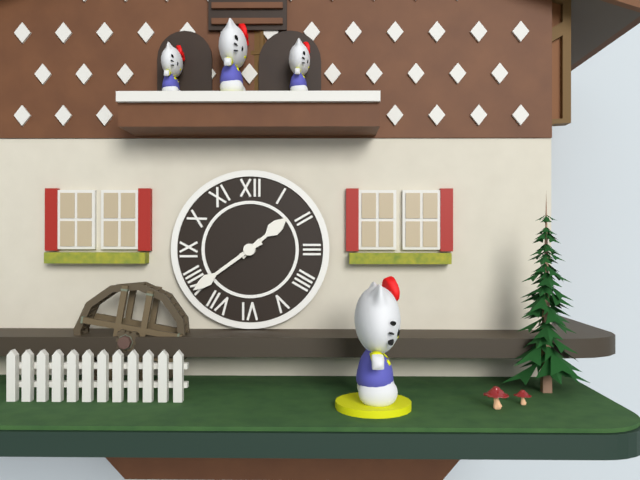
h=1 m=39
